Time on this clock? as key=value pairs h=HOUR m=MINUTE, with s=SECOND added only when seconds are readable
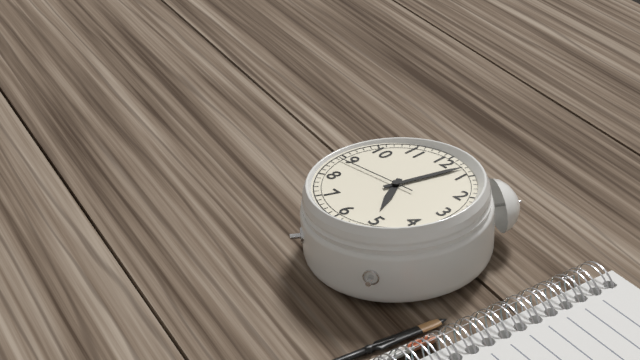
h=5 m=3 s=44
